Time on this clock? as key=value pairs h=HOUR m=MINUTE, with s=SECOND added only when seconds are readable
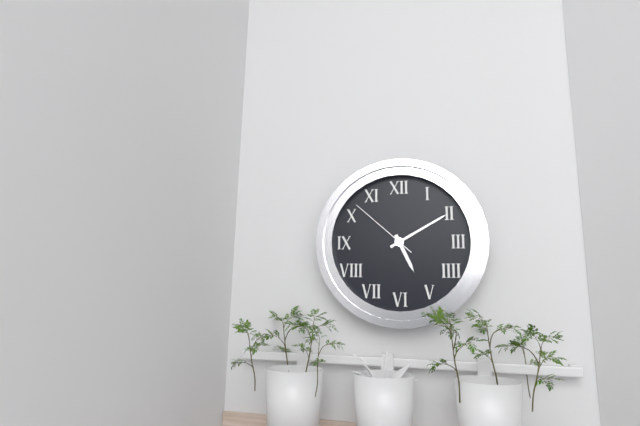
h=5 m=10 s=52
